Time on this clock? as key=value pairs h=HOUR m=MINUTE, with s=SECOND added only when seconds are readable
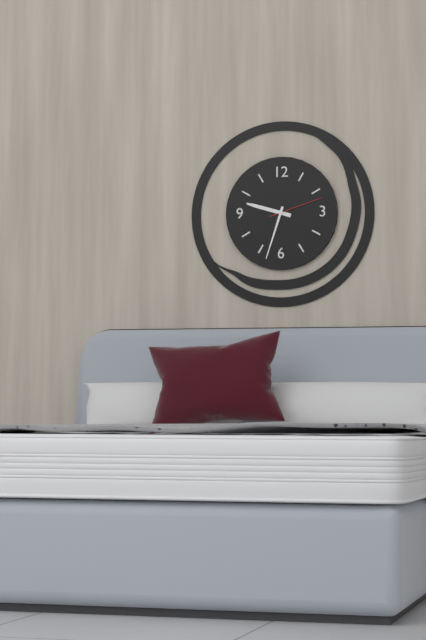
h=9 m=33 s=12
